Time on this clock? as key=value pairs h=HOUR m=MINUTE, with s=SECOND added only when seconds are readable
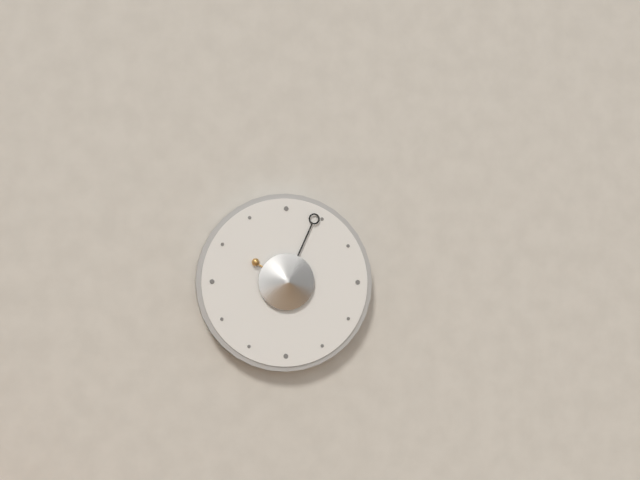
h=10 m=4
